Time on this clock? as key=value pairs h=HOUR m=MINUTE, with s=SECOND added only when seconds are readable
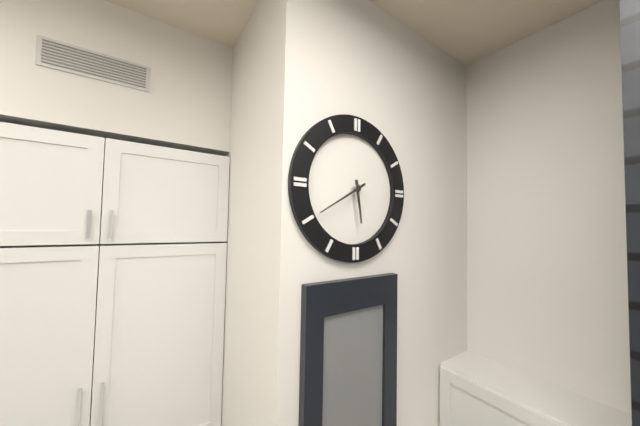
h=5 m=40
